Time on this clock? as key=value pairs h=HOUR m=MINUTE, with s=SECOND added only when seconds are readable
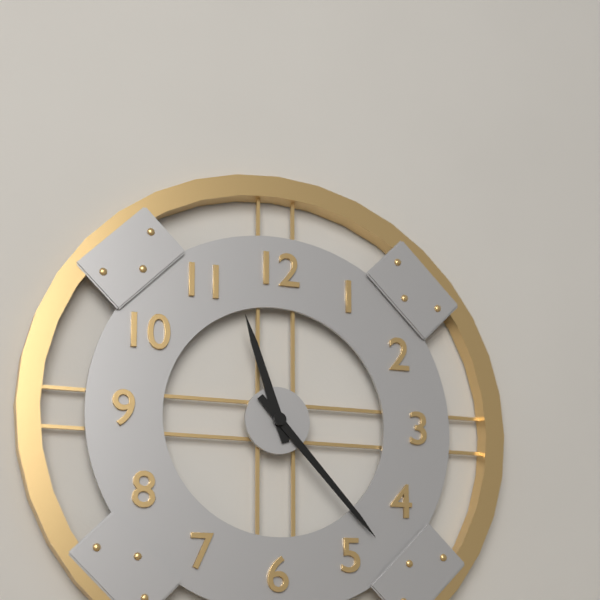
h=11 m=23
